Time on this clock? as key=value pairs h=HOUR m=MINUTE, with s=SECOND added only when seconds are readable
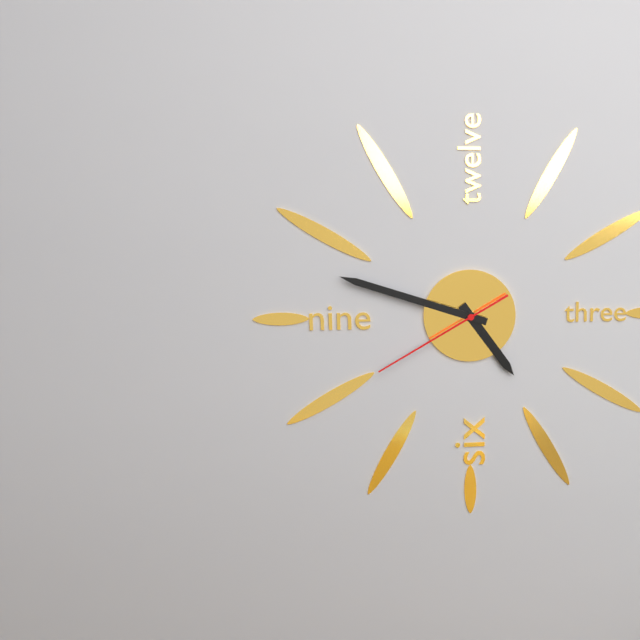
h=4 m=48 s=40
